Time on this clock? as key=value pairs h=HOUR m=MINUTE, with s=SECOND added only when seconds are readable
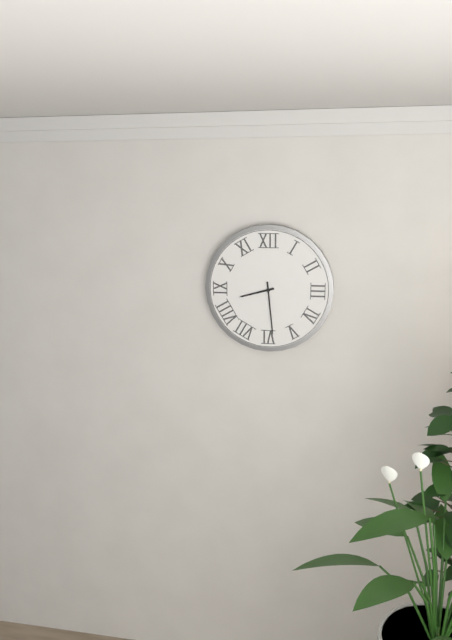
h=8 m=29
